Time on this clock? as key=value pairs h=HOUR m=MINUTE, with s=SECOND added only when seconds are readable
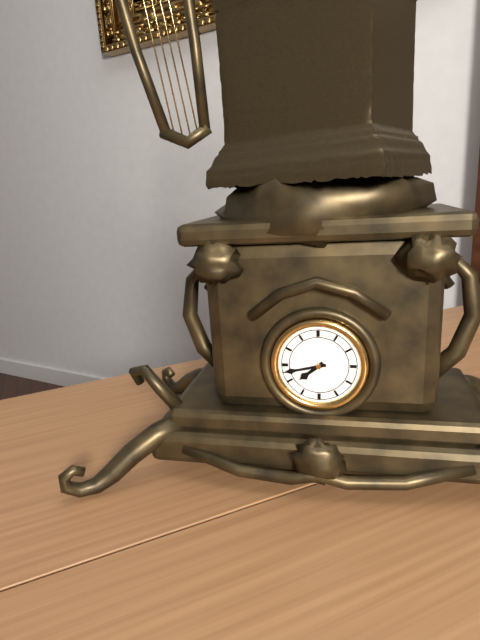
h=7 m=43
